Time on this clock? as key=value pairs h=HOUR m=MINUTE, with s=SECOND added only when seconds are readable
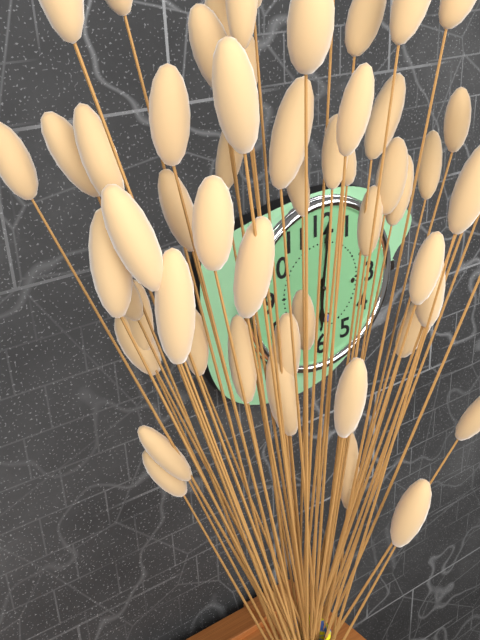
h=6 m=1
